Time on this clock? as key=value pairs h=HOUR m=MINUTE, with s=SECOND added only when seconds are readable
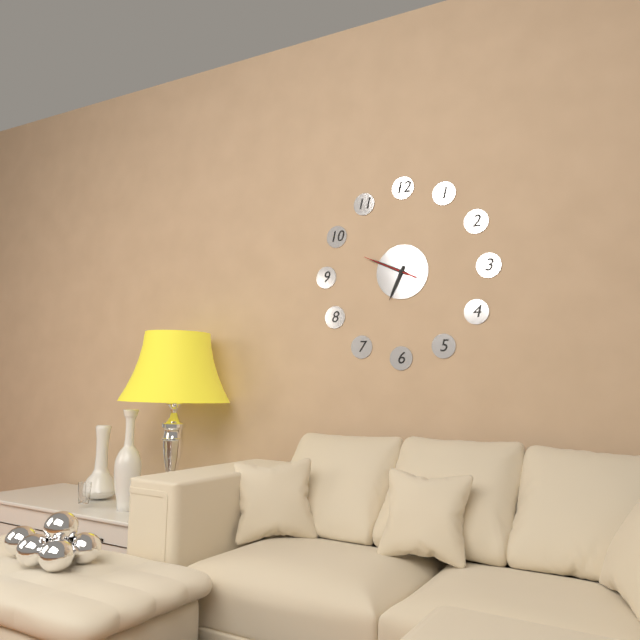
h=6 m=49
